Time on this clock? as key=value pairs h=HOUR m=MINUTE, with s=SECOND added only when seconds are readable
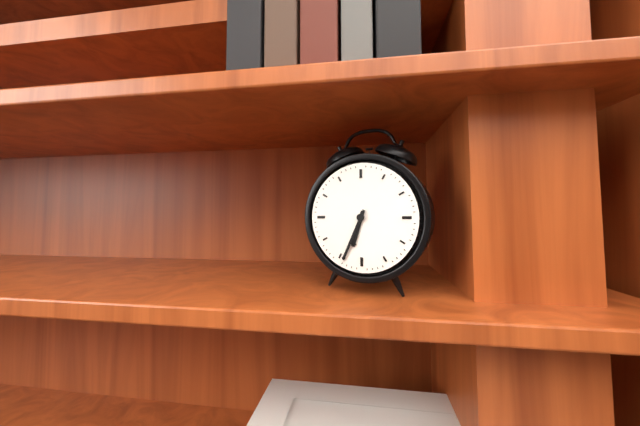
h=6 m=34
